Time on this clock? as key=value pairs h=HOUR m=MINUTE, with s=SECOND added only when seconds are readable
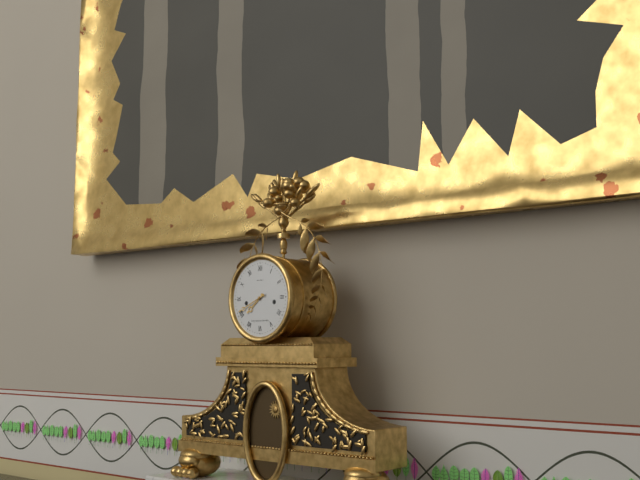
h=7 m=41
